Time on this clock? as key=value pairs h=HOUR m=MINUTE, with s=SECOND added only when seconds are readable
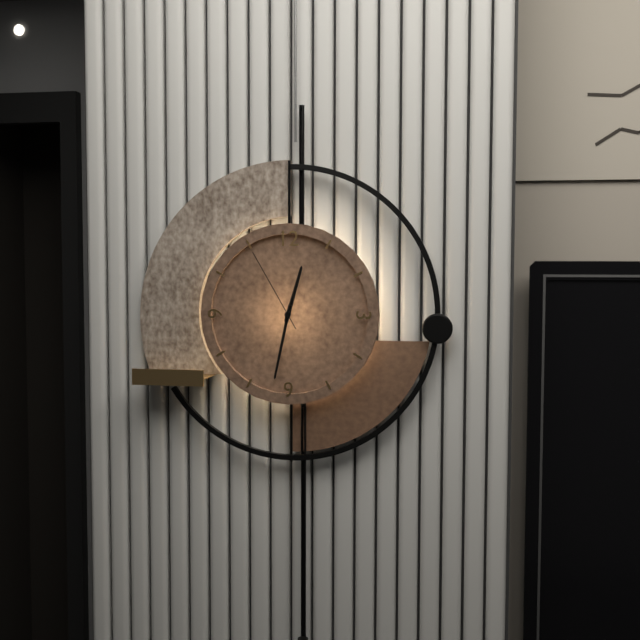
h=12 m=32 s=55
